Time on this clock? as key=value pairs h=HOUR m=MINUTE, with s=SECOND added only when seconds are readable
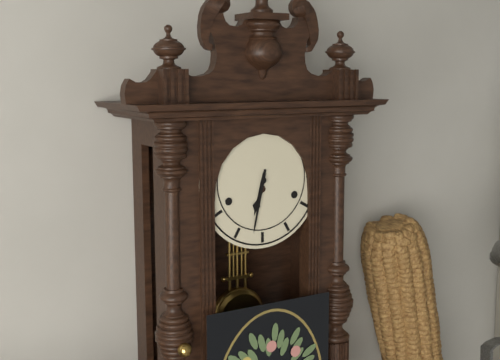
h=6 m=32
